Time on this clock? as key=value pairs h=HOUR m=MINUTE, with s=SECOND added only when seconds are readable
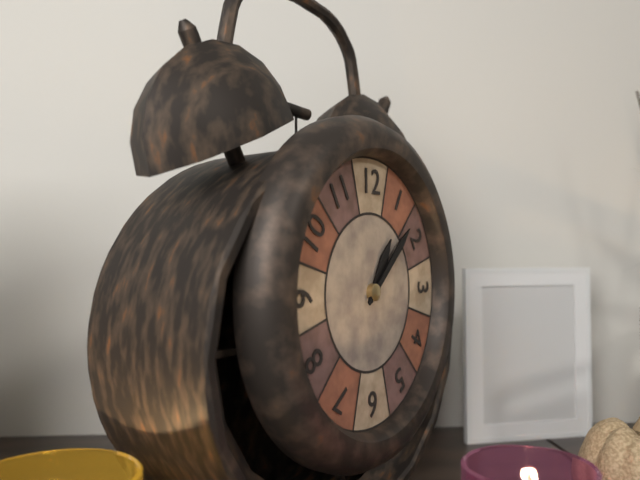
h=1 m=8
